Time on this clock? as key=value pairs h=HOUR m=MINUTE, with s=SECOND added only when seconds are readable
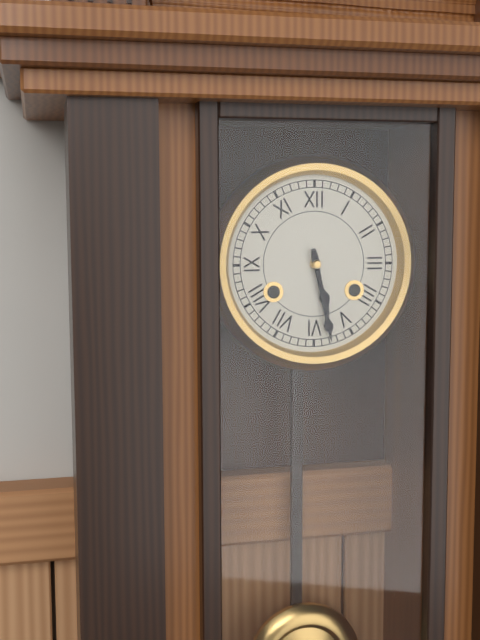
h=5 m=28
